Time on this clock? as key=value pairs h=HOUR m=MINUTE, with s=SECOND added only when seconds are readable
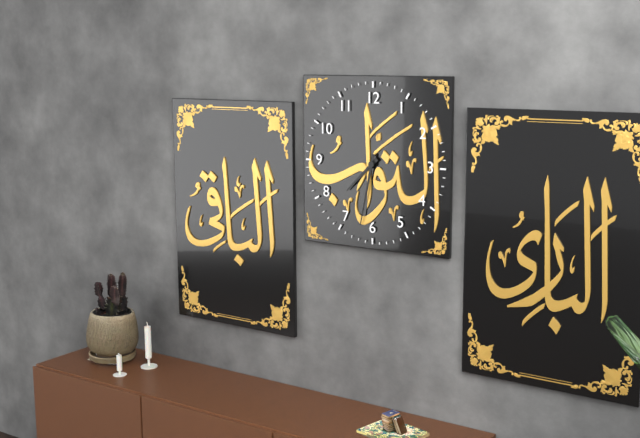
h=7 m=32
